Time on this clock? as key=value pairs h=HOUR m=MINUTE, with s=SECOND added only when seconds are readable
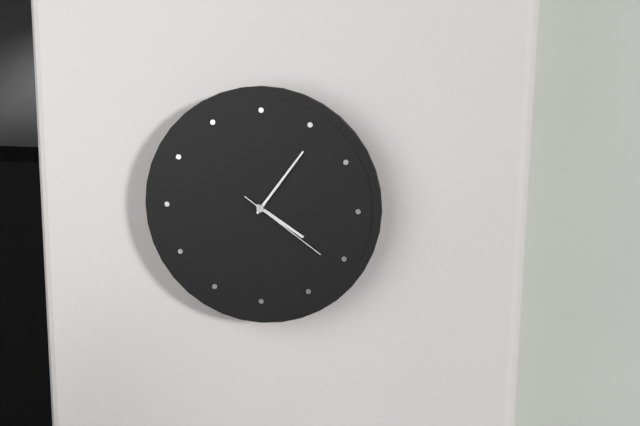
h=4 m=6 s=21
